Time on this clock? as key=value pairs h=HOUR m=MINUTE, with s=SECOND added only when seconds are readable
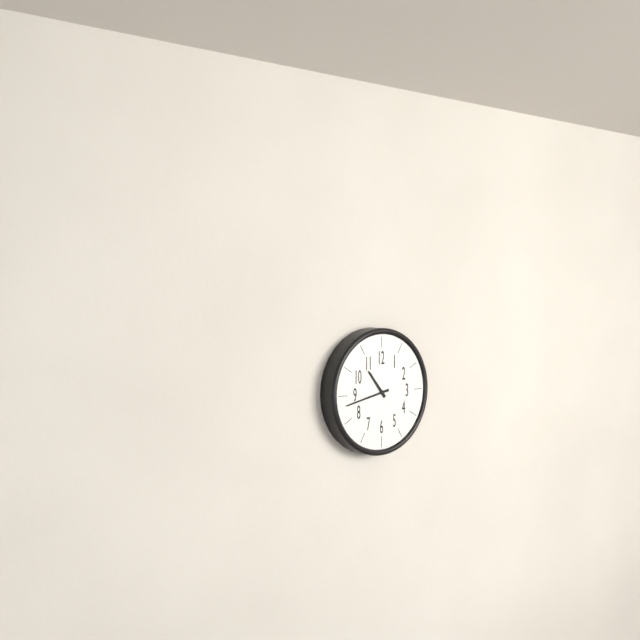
h=10 m=43
